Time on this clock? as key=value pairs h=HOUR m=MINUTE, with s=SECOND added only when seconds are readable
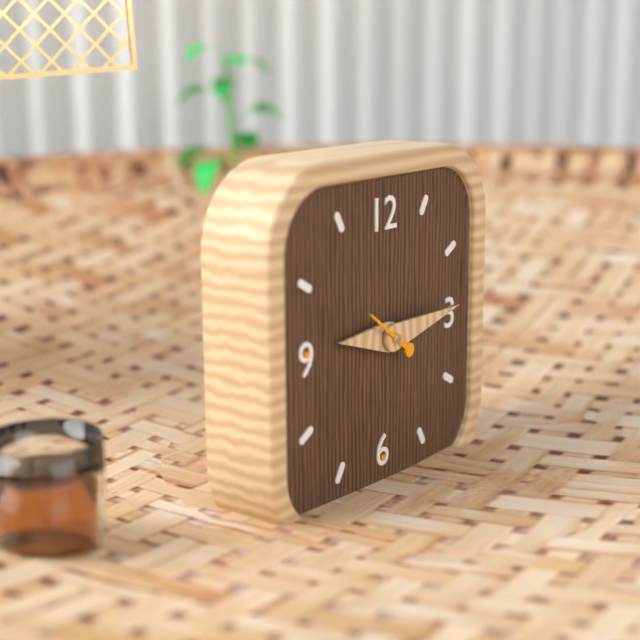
h=9 m=14
